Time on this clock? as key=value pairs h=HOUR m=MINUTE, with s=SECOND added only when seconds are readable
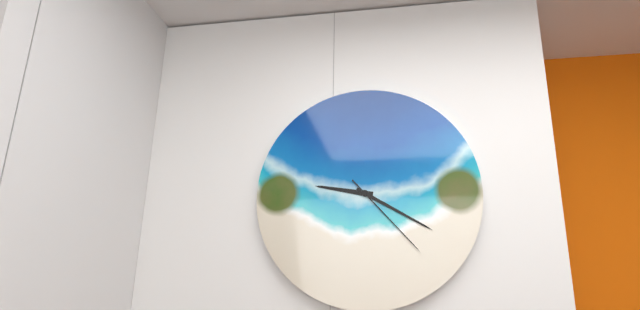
h=9 m=20 s=23
